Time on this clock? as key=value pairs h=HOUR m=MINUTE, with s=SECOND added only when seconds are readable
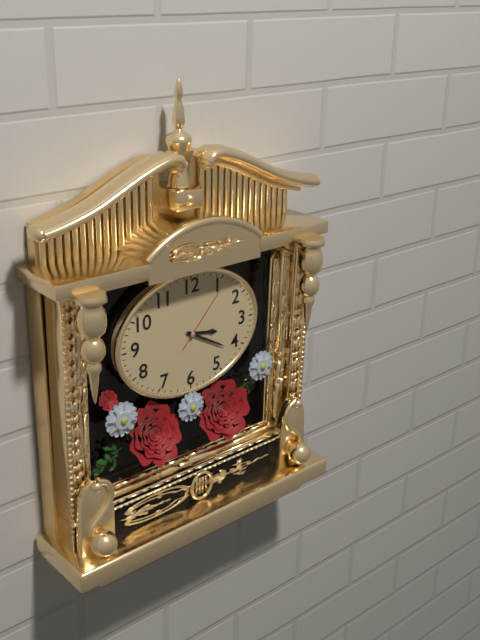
h=3 m=20 s=7
